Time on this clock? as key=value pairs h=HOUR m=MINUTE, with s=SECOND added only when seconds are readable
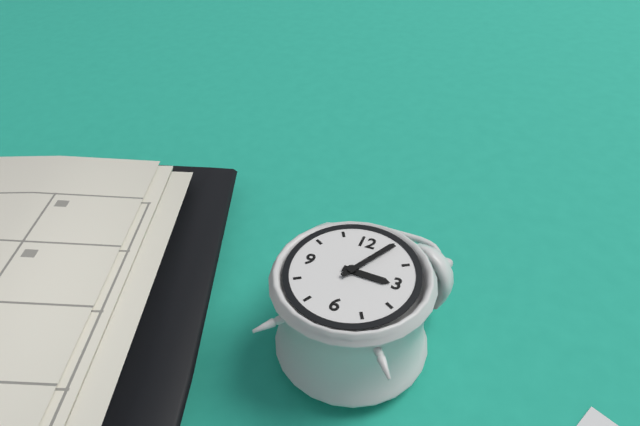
h=3 m=5
